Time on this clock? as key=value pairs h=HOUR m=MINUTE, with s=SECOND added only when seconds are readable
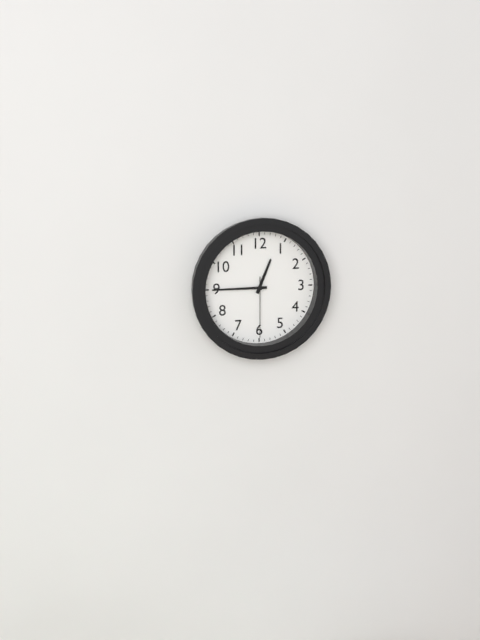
h=12 m=45 s=30
